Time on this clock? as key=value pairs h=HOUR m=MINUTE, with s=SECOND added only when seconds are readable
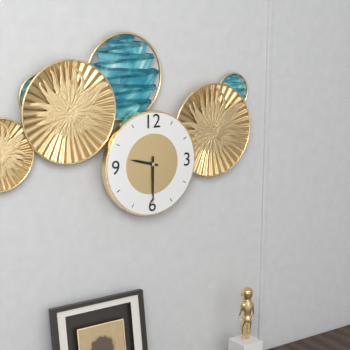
h=9 m=30
